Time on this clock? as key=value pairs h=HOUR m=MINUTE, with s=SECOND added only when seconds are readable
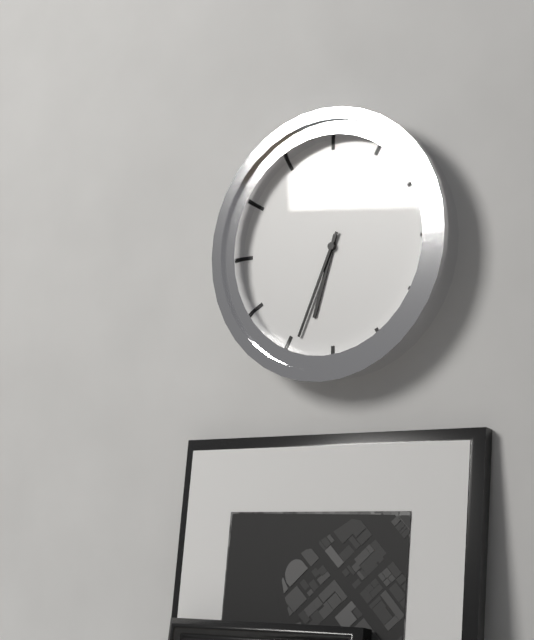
h=6 m=34
